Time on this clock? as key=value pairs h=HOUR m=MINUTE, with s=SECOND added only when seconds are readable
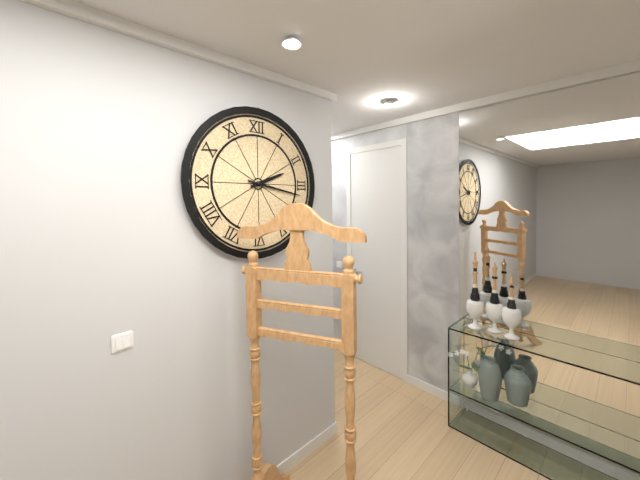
h=2 m=17
